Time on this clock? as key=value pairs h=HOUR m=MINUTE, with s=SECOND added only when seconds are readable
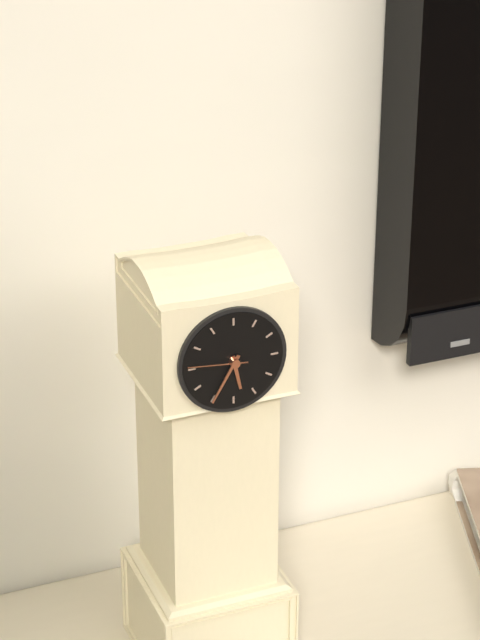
h=5 m=35 s=46
